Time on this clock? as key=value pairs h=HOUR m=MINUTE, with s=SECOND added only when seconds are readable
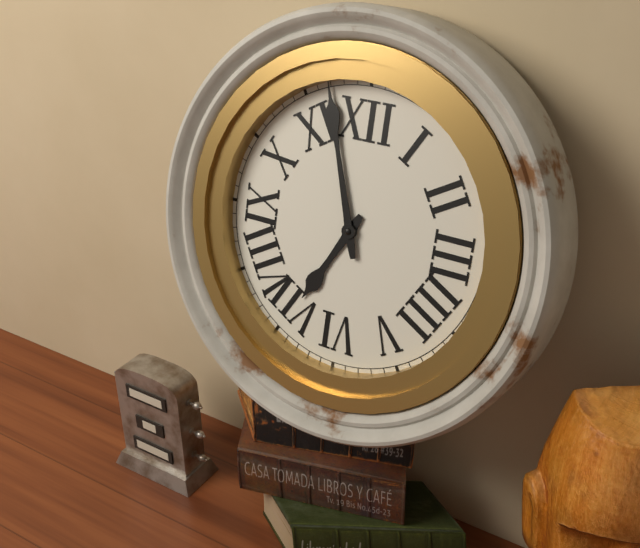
h=6 m=57
